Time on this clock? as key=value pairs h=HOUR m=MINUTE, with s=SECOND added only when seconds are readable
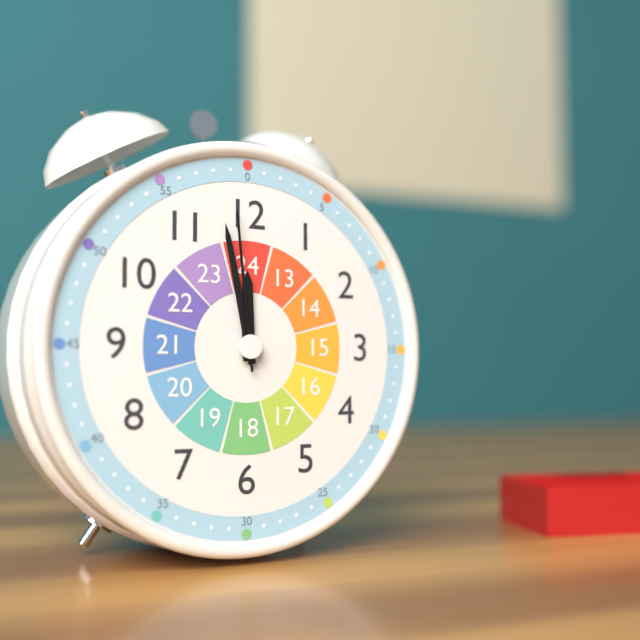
h=11 m=58 s=59
